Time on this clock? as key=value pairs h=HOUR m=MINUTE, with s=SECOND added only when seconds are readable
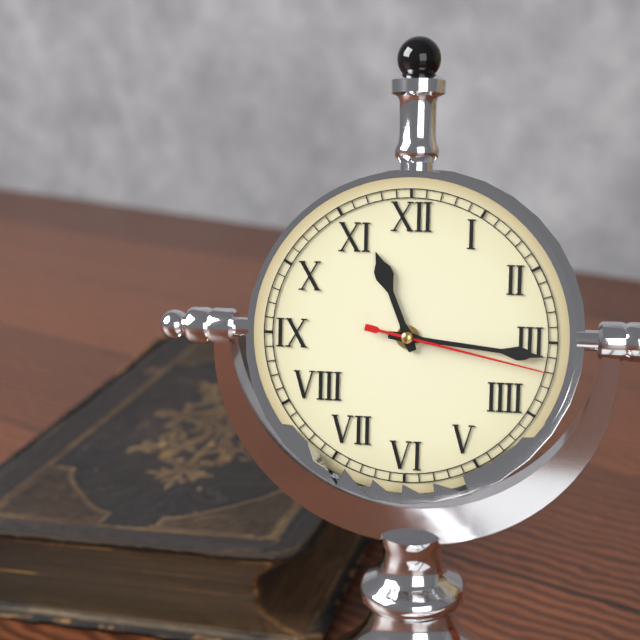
h=11 m=16 s=17
